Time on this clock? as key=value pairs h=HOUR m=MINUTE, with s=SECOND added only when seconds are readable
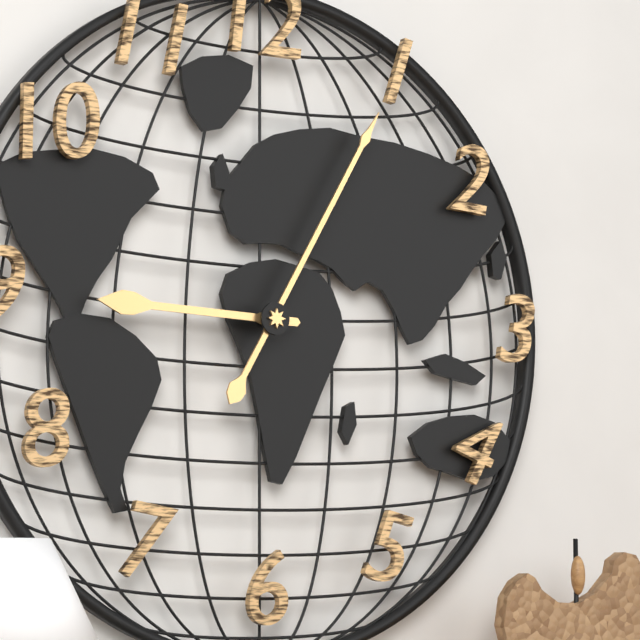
h=9 m=5
